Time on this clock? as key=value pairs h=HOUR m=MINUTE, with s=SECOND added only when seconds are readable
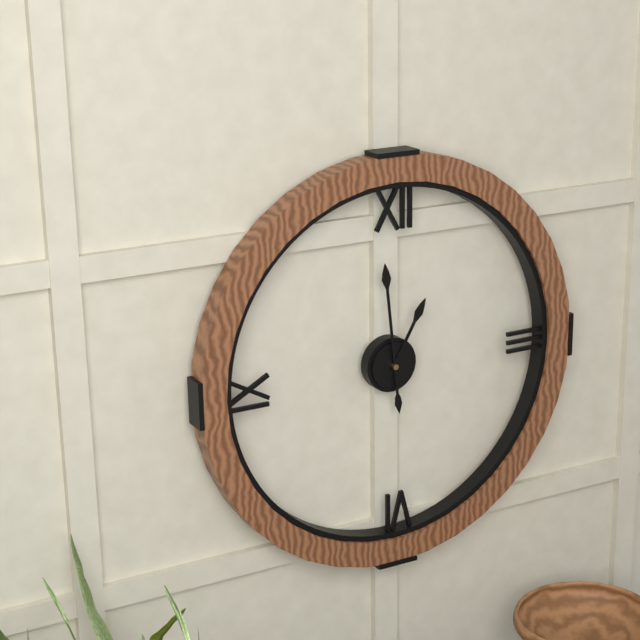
h=12 m=59
